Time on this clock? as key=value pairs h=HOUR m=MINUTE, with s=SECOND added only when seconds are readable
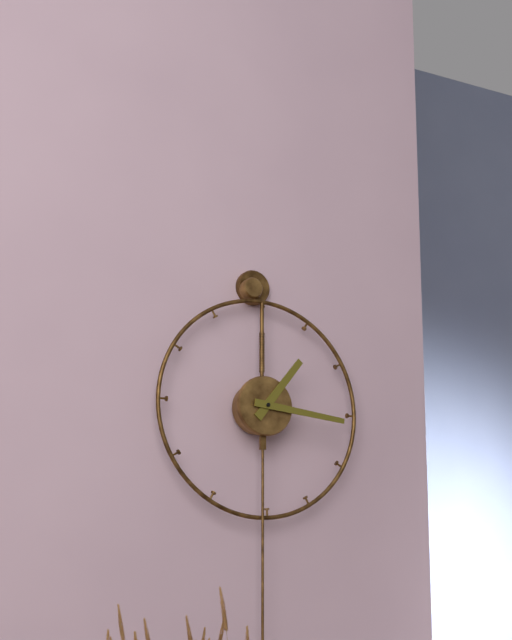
h=1 m=16
